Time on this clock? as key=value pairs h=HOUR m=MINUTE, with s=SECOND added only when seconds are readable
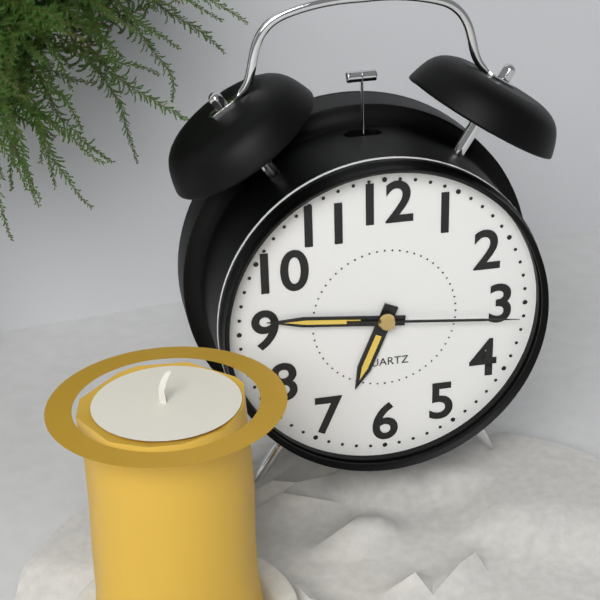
h=6 m=46 s=16
